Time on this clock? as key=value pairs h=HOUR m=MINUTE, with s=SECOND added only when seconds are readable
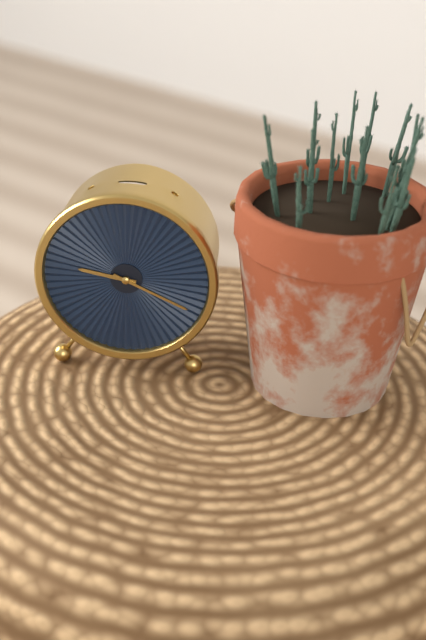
h=9 m=19
